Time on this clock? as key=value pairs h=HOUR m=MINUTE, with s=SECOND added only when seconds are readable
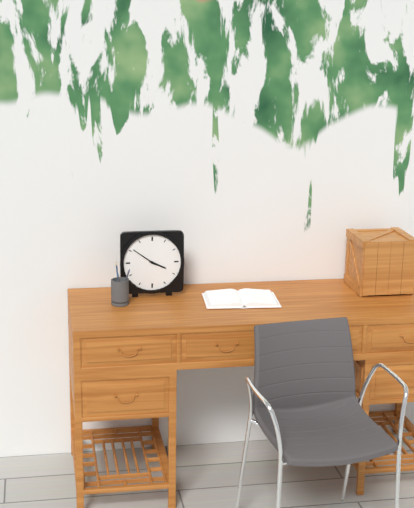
h=3 m=51
